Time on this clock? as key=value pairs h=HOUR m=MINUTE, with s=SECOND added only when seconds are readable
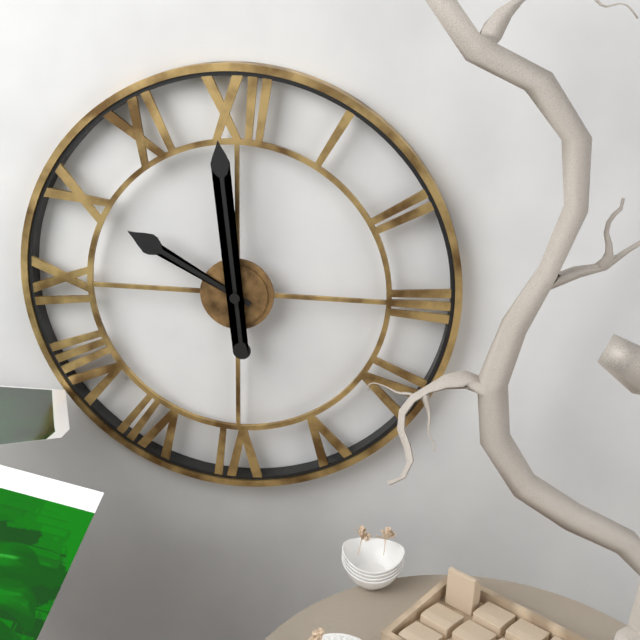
h=9 m=59
